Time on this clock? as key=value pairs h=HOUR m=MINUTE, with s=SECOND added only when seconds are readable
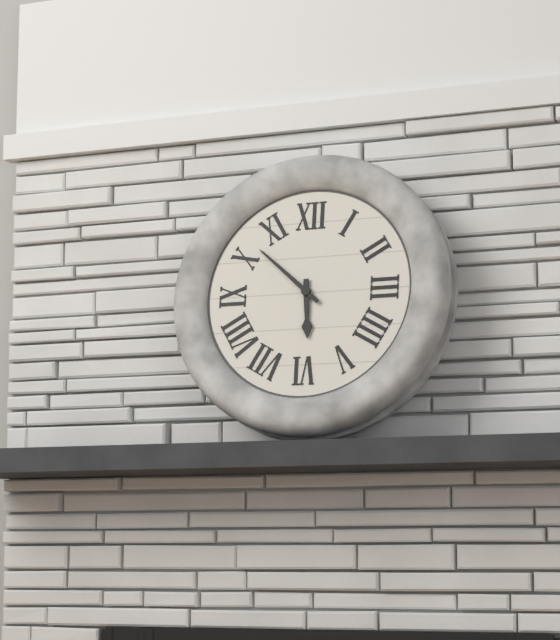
h=5 m=52
